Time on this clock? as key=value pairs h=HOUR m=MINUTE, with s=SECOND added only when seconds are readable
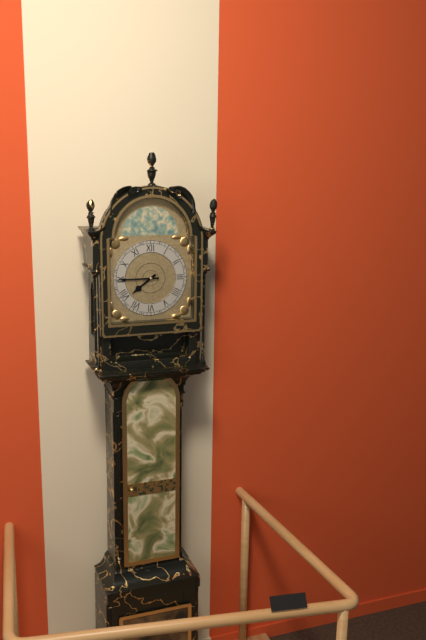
h=7 m=45
